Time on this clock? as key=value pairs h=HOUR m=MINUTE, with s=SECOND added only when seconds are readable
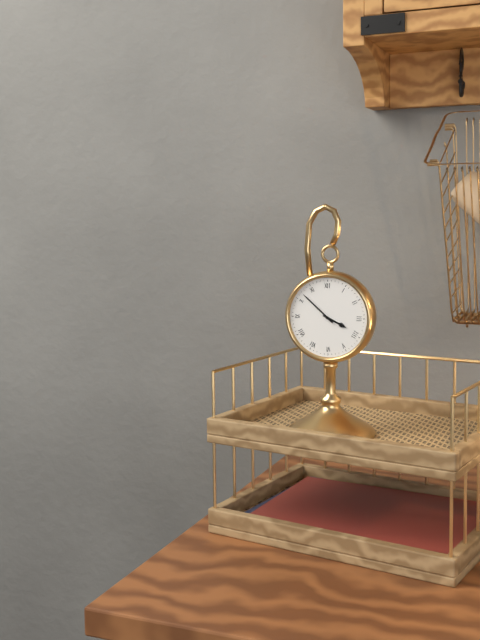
h=3 m=52
